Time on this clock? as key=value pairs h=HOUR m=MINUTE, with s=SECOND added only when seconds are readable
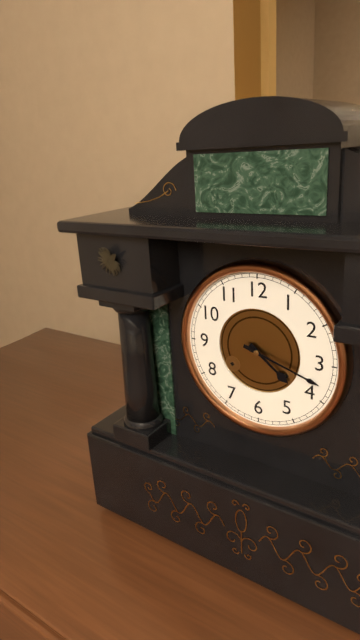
h=4 m=18
